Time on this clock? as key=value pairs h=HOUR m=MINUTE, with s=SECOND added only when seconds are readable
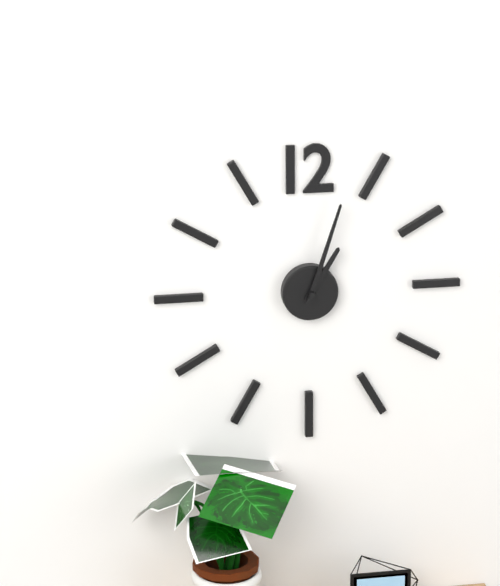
h=1 m=3
